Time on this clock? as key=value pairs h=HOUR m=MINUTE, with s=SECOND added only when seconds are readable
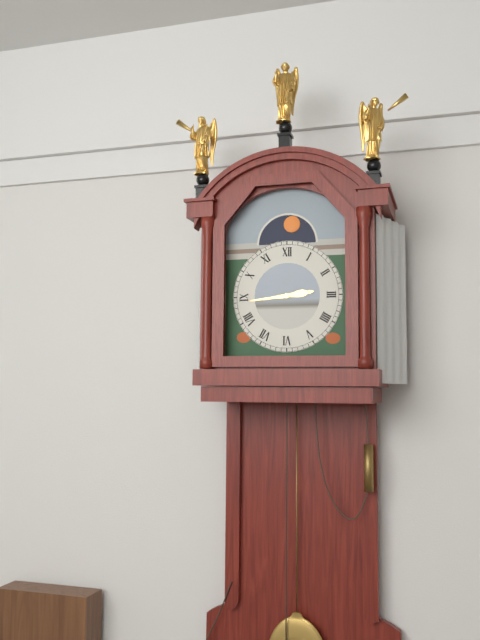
h=2 m=44
